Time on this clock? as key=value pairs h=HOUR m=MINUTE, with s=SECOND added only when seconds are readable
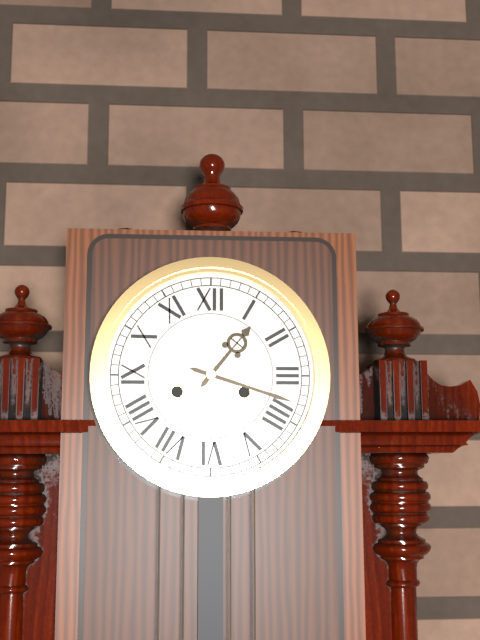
h=1 m=18
